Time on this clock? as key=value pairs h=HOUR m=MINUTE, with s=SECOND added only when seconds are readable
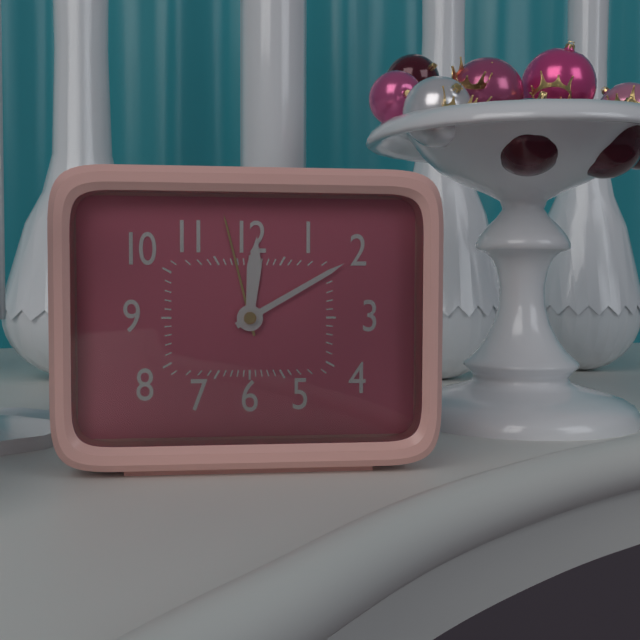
h=12 m=10
